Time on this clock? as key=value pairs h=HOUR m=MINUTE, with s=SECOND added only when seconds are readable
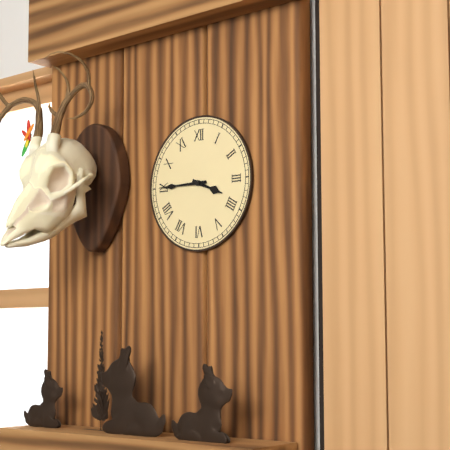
h=3 m=45
